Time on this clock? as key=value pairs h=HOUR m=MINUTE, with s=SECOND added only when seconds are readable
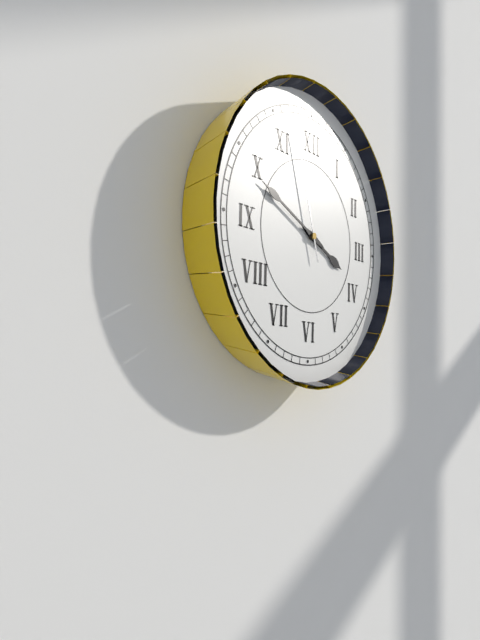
h=3 m=49 s=57
